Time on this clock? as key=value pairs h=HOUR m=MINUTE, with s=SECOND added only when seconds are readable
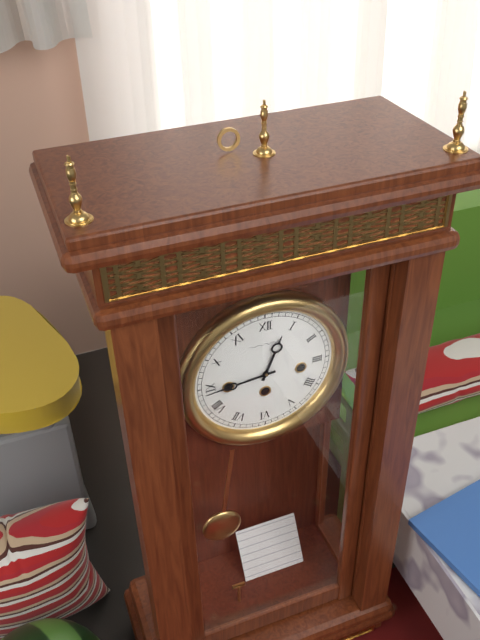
h=12 m=44
